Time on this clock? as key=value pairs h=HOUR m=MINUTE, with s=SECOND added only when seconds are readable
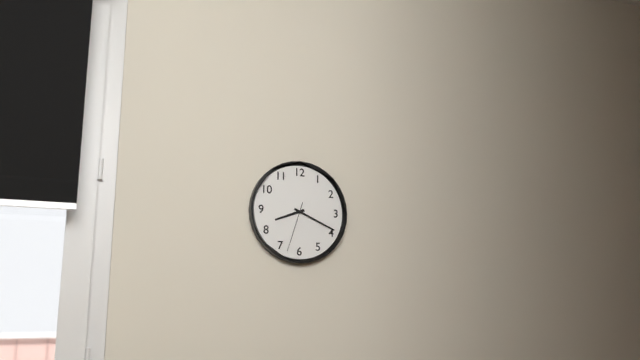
h=8 m=19 s=33
